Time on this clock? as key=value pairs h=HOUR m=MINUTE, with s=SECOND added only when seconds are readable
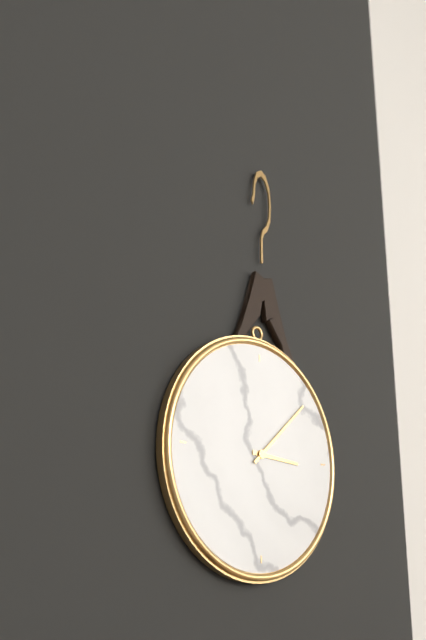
h=3 m=8
